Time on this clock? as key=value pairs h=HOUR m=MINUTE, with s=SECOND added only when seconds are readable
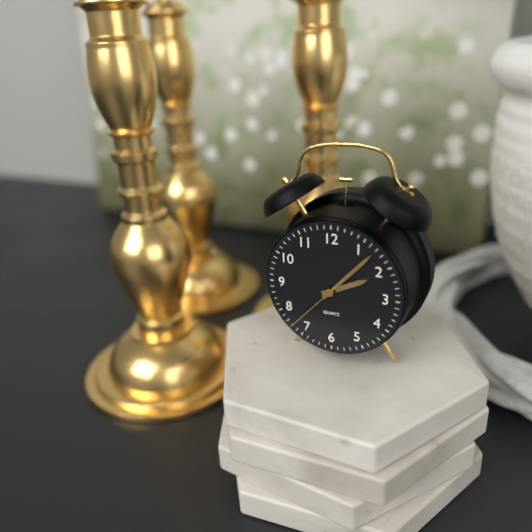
h=2 m=7 s=37
